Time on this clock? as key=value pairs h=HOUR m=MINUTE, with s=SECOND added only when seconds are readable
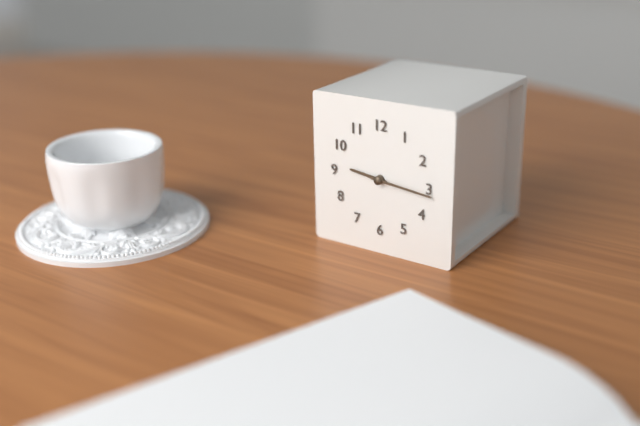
h=9 m=16
